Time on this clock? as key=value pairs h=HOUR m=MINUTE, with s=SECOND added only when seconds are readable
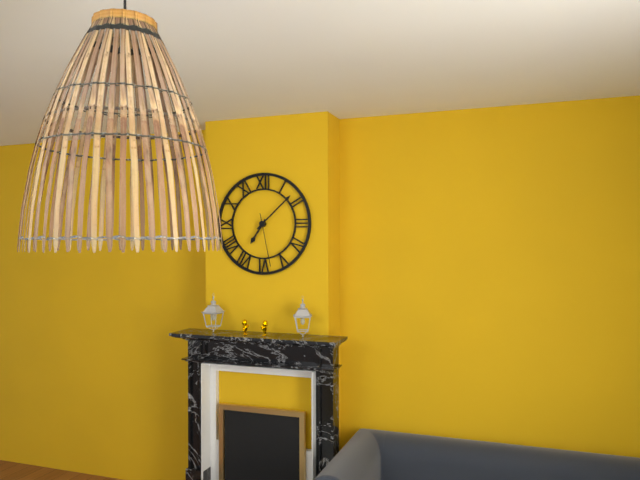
h=7 m=8 s=28
